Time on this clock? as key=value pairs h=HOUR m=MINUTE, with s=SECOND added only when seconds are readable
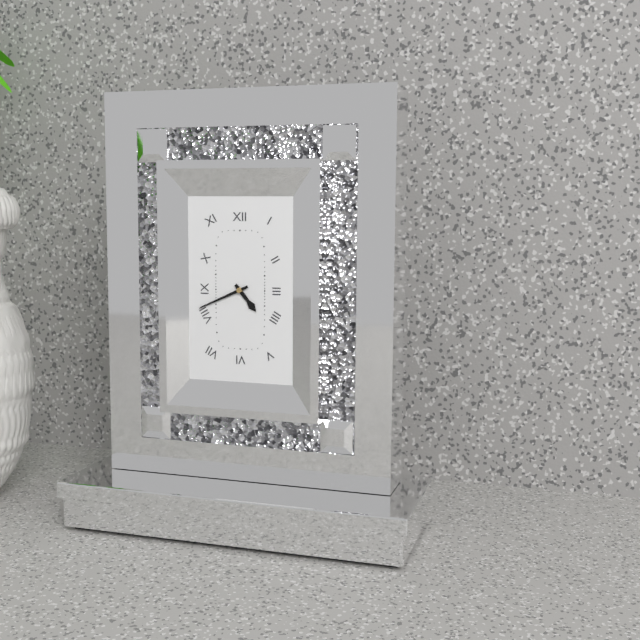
h=4 m=41
